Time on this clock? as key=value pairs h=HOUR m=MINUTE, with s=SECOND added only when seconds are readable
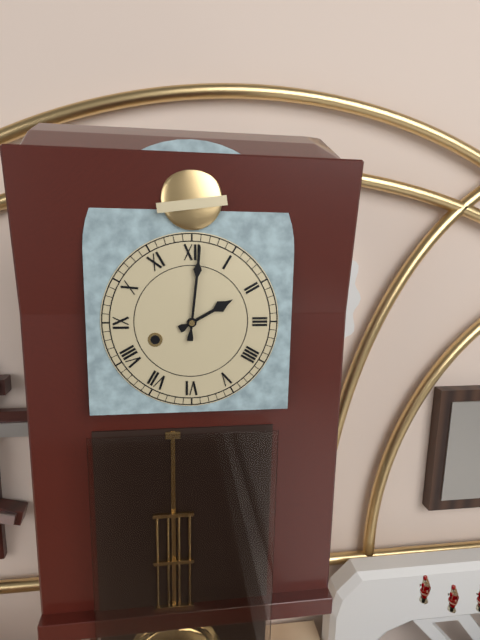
h=2 m=1
